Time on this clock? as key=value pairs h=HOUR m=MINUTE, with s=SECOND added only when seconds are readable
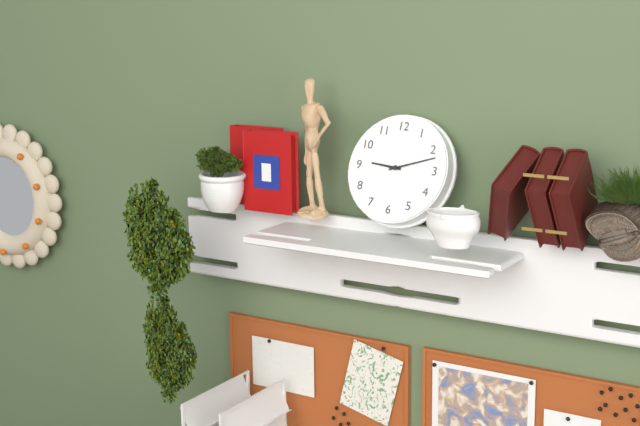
h=9 m=12
